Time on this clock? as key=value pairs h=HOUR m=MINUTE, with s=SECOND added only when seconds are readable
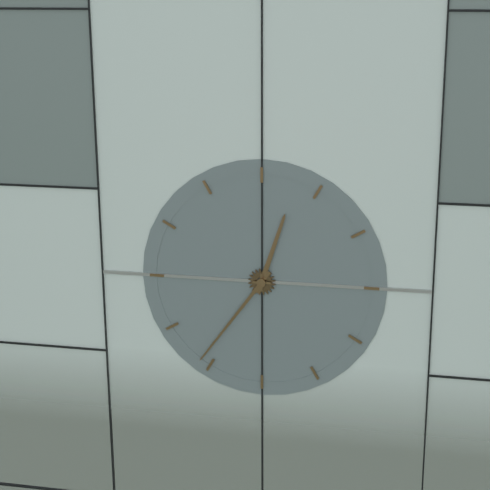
h=12 m=36
